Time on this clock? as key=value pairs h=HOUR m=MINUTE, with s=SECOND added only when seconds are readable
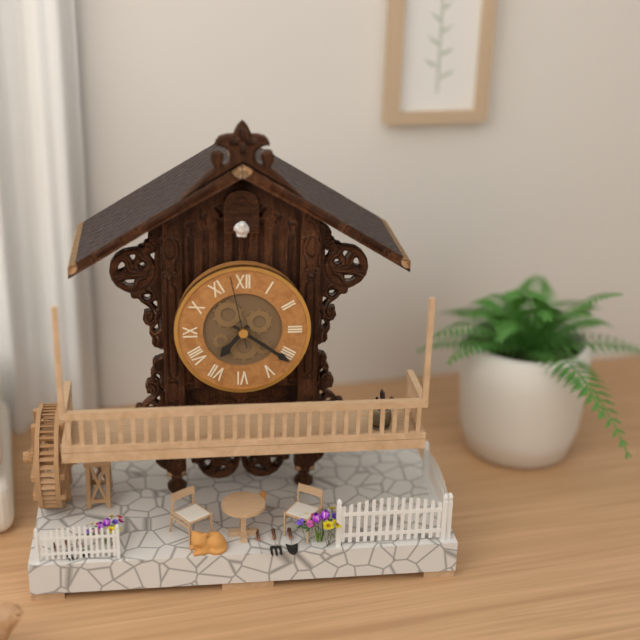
h=7 m=21 s=58
